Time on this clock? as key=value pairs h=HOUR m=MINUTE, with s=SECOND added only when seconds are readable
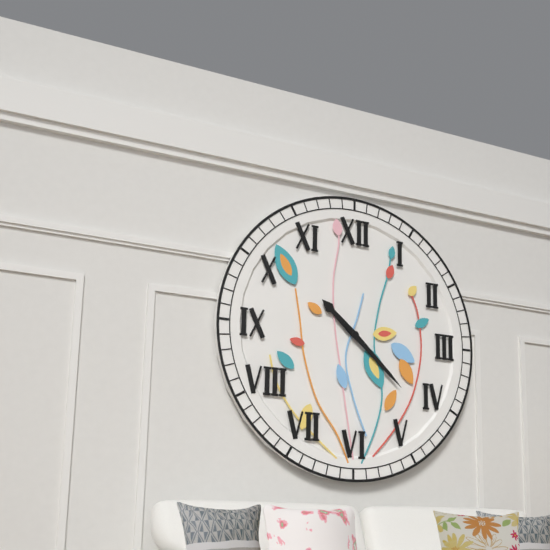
h=10 m=22
